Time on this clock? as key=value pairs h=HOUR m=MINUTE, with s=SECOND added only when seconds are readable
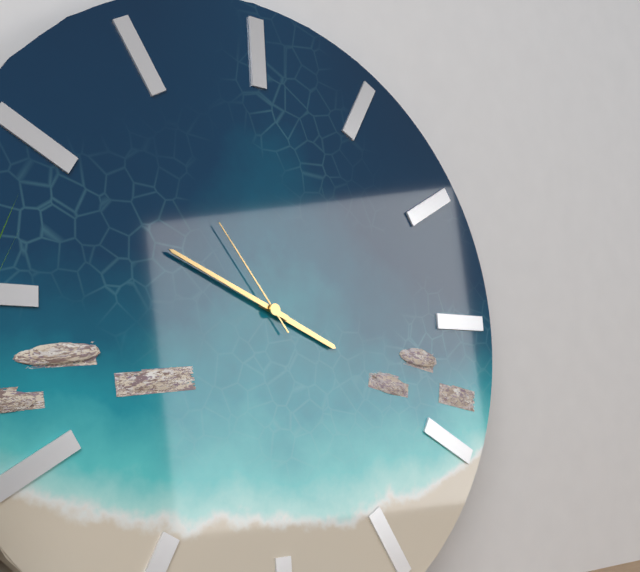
h=3 m=49 s=54
